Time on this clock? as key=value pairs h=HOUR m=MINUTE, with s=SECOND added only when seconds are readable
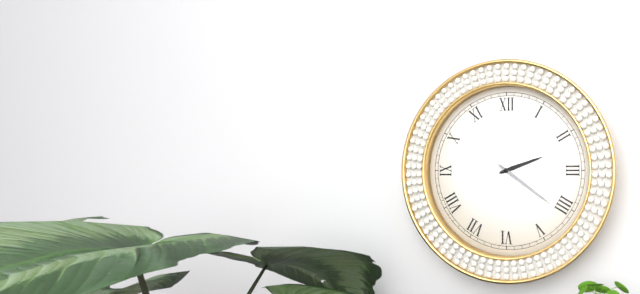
h=2 m=21
